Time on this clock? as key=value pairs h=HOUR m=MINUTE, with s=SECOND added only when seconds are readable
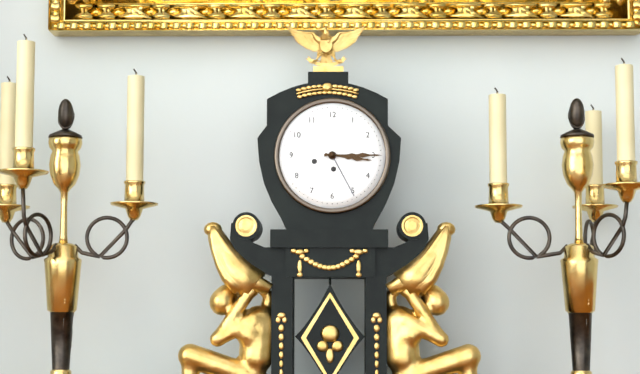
h=3 m=15
